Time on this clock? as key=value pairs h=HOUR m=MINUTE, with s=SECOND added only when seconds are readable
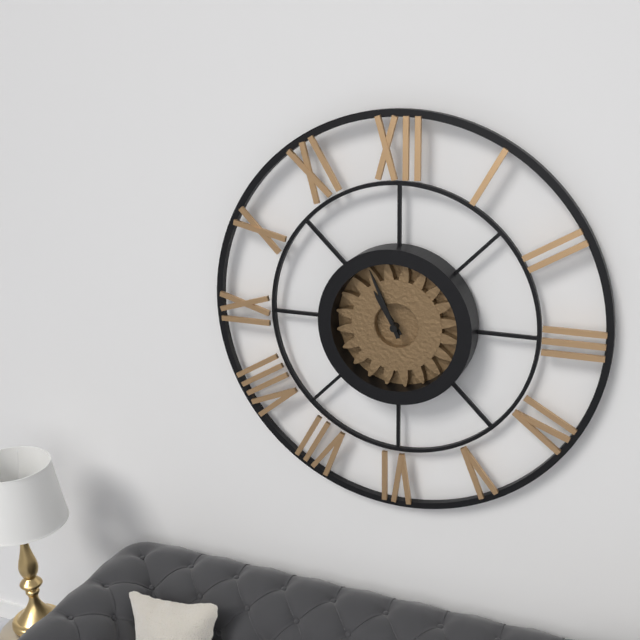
h=10 m=56
